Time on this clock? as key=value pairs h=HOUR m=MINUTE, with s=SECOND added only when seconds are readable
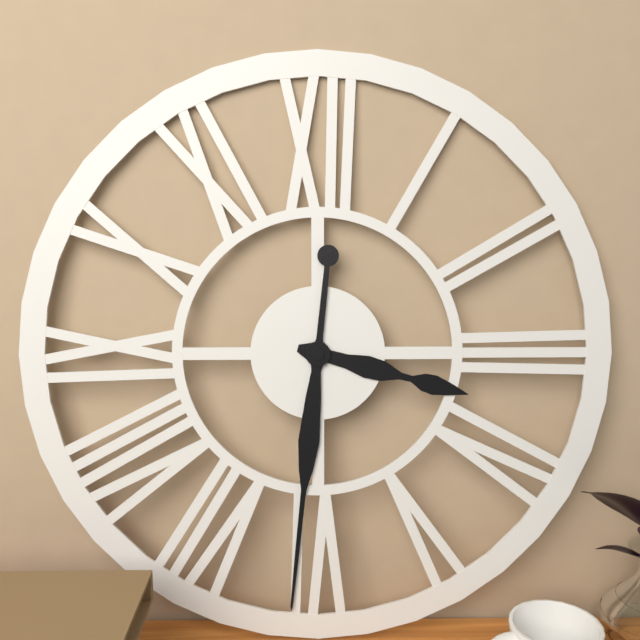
h=3 m=31
